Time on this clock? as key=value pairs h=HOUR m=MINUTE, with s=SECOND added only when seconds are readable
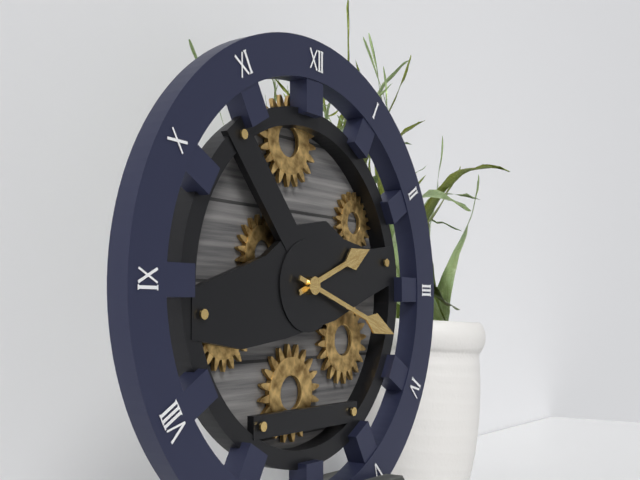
h=2 m=18
